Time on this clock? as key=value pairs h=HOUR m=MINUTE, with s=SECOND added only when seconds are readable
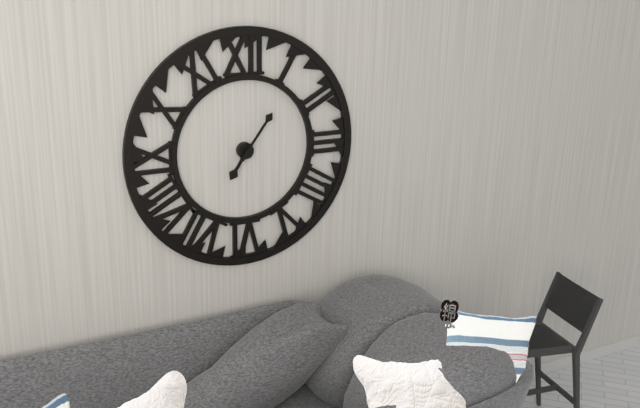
h=7 m=6
